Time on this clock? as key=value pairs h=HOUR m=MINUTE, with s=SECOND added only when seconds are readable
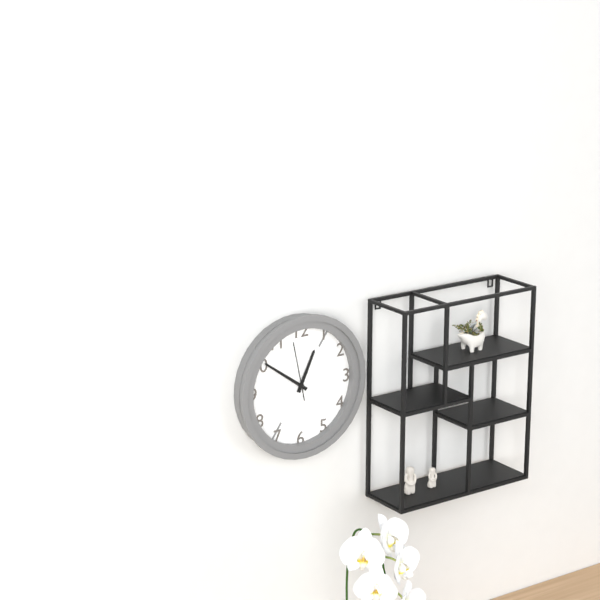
h=12 m=51 s=58
